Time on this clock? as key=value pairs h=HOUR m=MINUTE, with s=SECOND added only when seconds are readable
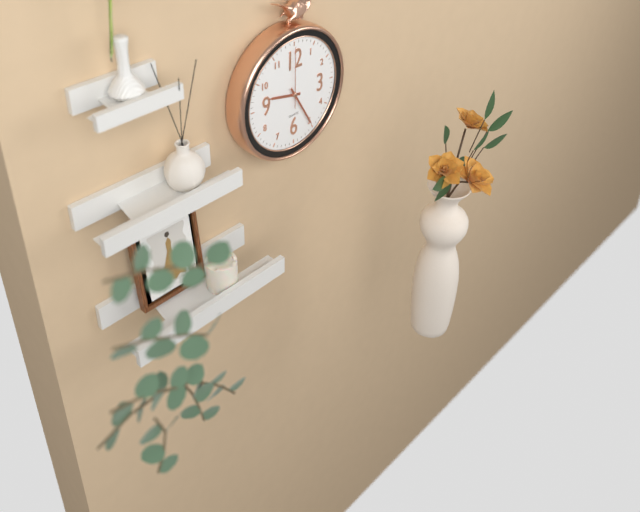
h=9 m=25 s=0
